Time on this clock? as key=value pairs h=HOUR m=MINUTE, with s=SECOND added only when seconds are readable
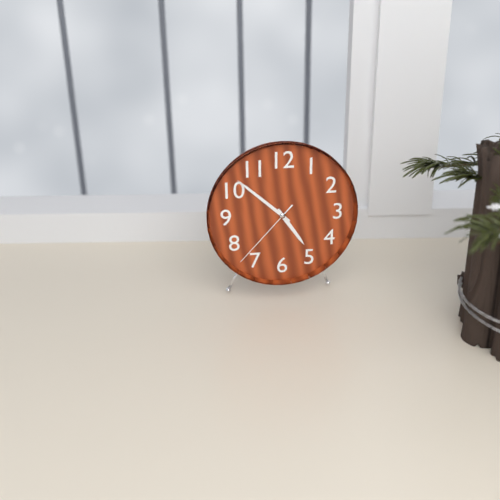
h=4 m=52 s=37
